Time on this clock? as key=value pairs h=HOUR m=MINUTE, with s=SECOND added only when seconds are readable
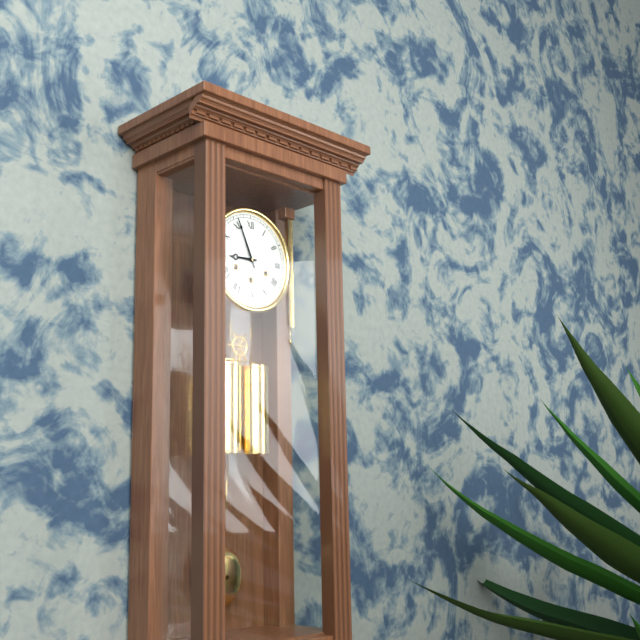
h=8 m=56
